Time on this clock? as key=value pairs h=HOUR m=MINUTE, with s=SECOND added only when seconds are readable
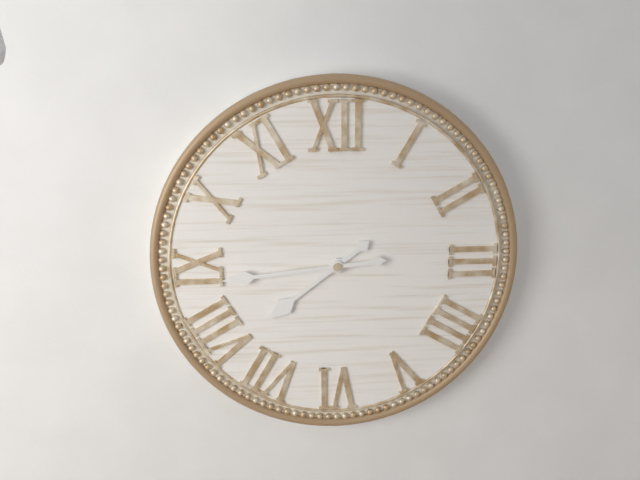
h=7 m=44
